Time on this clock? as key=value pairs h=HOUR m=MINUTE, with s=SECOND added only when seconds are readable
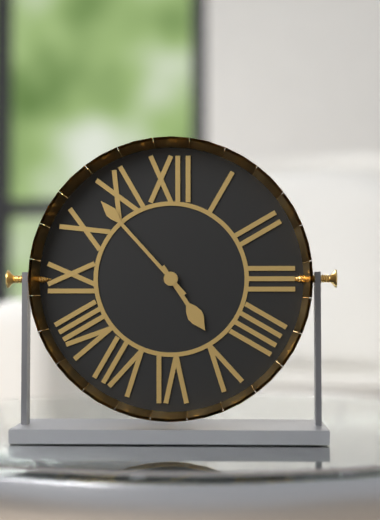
h=4 m=53
